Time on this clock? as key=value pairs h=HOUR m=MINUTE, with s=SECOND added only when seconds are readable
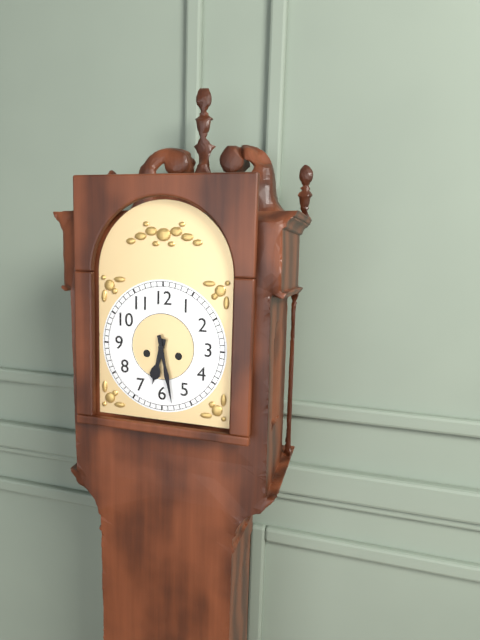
h=6 m=28
